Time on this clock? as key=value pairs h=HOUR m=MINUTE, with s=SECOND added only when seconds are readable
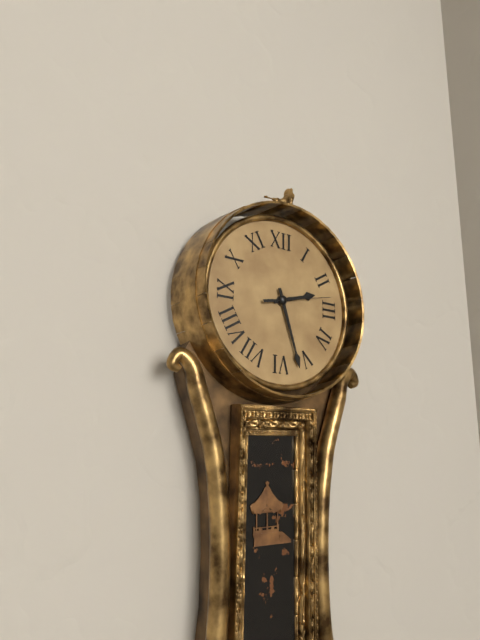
h=2 m=27 s=13
